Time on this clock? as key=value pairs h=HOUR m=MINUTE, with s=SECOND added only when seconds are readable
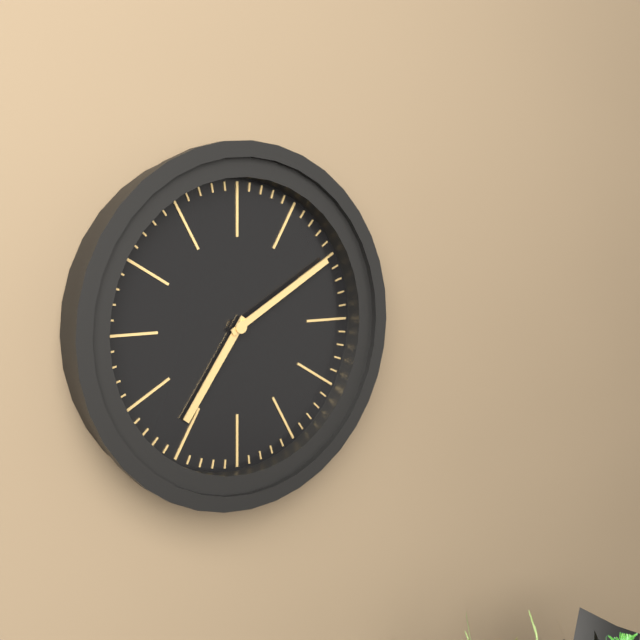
h=7 m=10
